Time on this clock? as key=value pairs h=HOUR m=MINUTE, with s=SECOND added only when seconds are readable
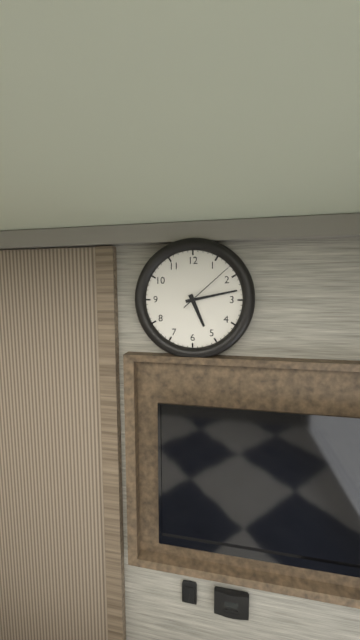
h=5 m=13 s=8
